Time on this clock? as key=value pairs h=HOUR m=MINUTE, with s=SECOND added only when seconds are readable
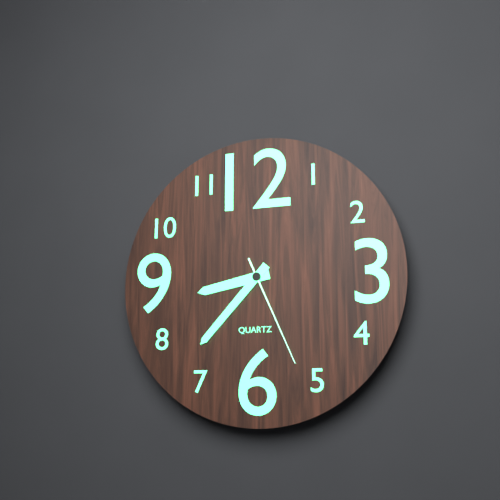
h=8 m=37 s=26
